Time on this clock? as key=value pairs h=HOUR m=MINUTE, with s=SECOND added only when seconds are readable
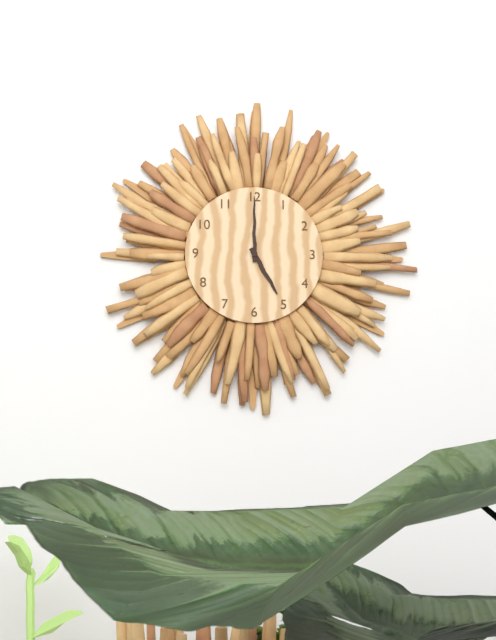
h=5 m=0
